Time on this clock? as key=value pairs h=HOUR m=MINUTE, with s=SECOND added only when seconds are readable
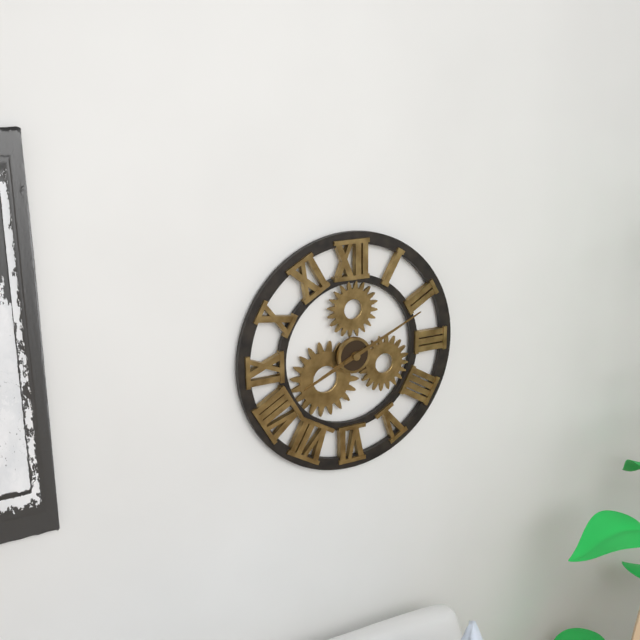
h=8 m=11
